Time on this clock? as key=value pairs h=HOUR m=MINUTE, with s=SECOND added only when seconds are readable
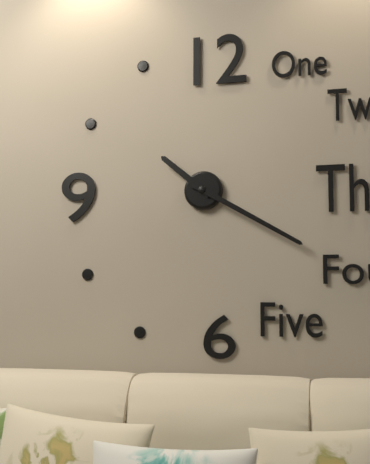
h=10 m=20
